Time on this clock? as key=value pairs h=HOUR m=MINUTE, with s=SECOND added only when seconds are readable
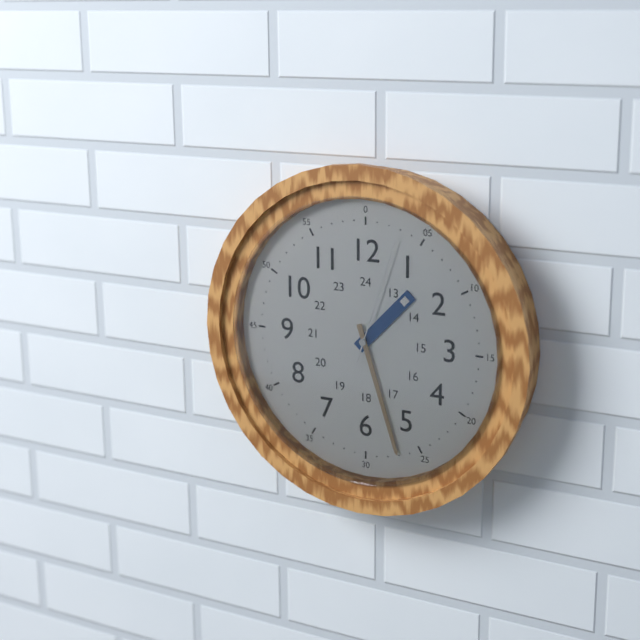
h=1 m=27 s=3
